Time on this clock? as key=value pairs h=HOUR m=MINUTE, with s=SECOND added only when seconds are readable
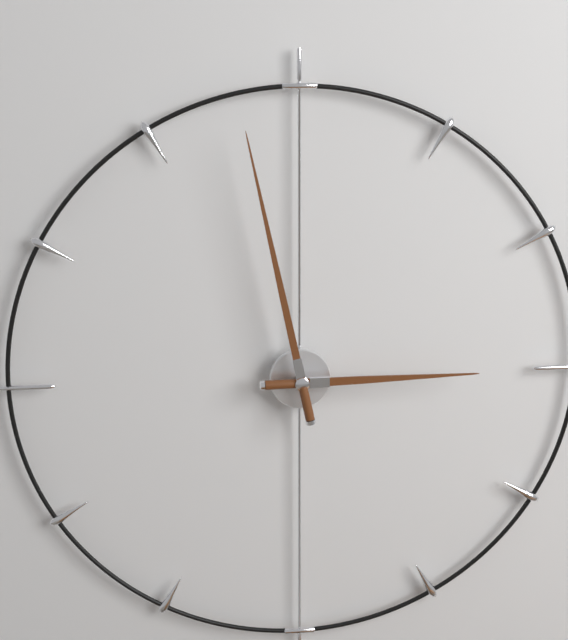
h=2 m=58
